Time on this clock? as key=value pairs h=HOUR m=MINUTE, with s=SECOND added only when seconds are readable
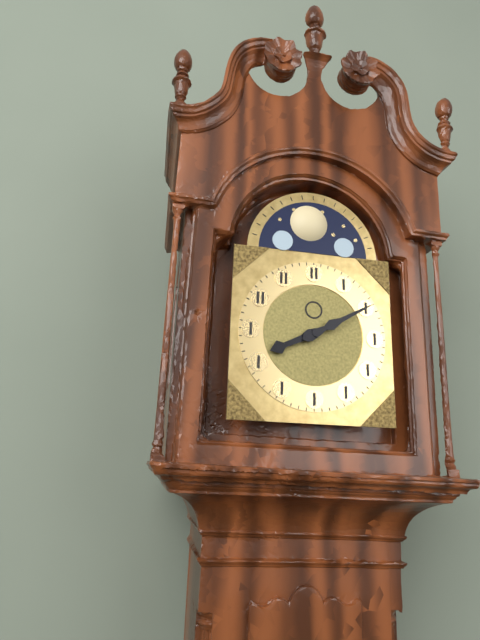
h=8 m=10
